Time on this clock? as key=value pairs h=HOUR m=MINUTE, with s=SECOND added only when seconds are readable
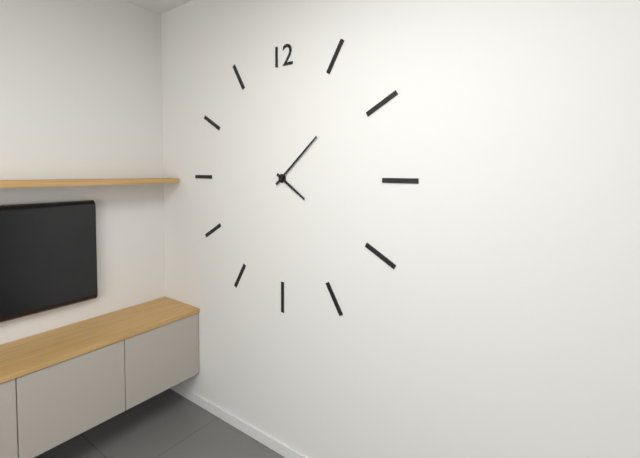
h=4 m=8
